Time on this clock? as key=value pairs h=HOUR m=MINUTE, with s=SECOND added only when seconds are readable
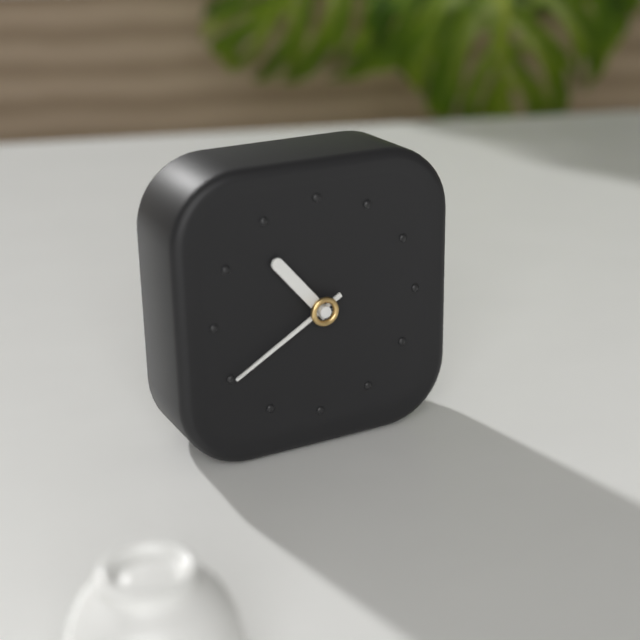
h=10 m=40
